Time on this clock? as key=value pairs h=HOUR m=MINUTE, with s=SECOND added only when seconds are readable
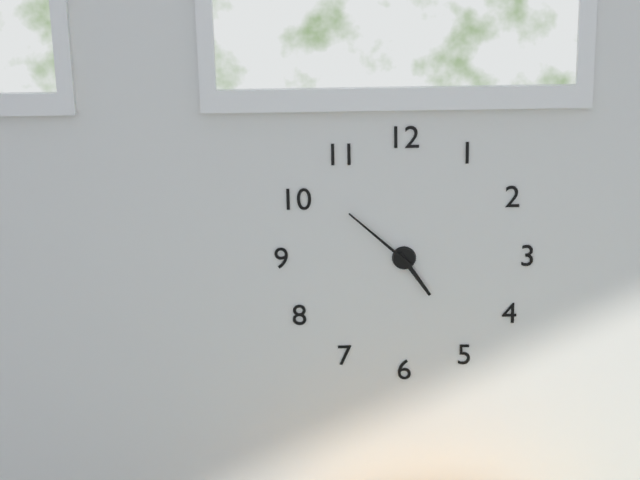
h=4 m=52
